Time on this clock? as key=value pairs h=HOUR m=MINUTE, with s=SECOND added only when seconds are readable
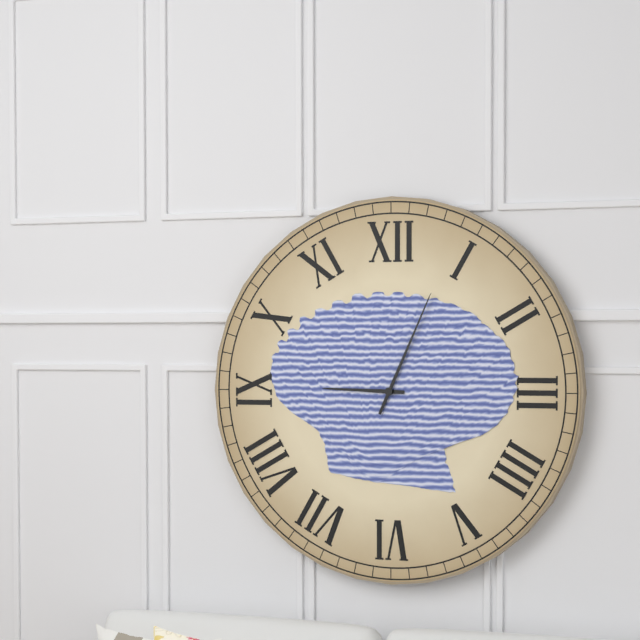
h=9 m=4
